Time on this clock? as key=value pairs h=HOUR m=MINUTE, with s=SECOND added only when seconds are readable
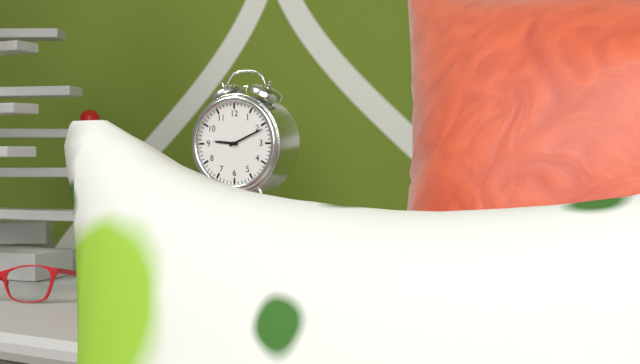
h=9 m=11
